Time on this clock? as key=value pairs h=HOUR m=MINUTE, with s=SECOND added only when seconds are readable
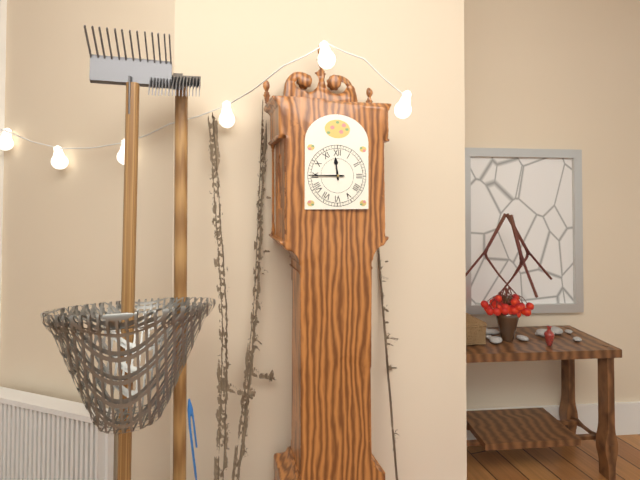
h=11 m=45
